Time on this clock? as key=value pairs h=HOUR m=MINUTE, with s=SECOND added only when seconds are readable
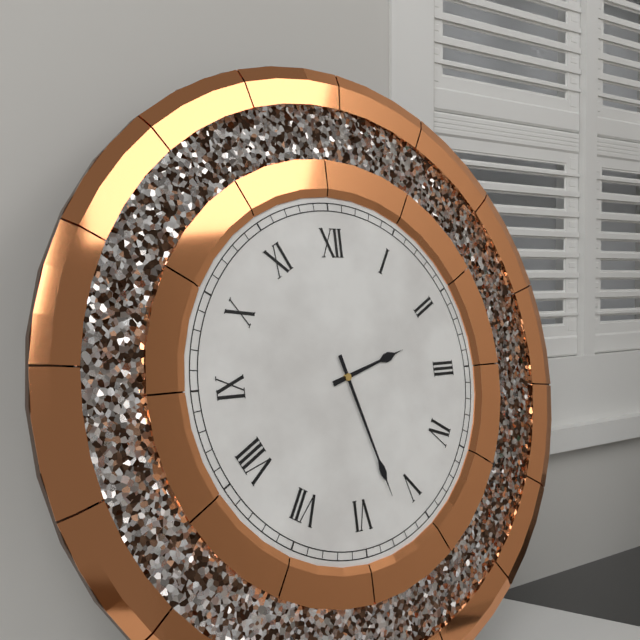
h=2 m=27
